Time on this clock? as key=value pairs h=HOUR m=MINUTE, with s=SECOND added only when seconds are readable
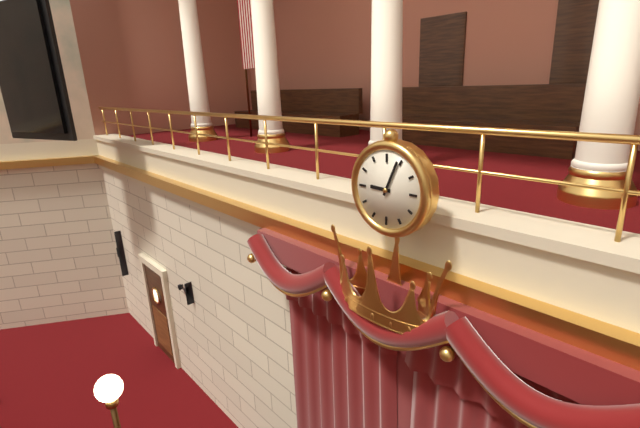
h=9 m=4
